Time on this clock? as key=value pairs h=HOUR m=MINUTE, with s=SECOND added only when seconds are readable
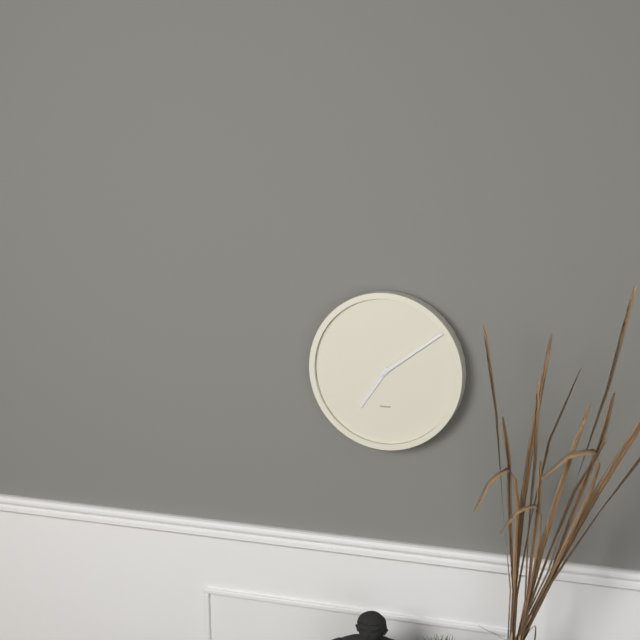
h=7 m=9
